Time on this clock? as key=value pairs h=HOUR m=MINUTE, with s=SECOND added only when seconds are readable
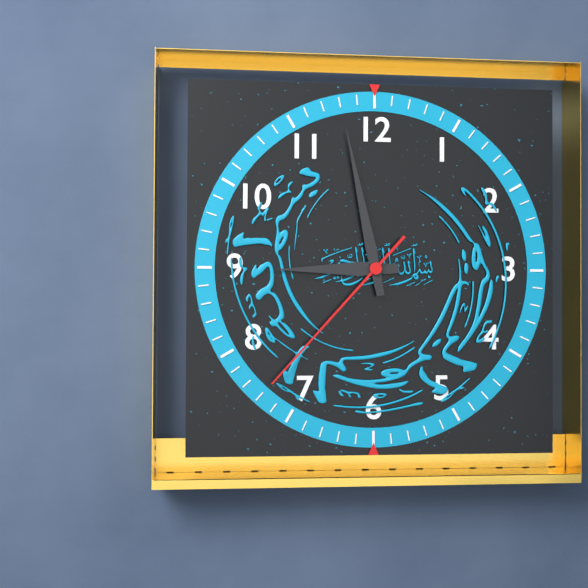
h=8 m=58 s=37
